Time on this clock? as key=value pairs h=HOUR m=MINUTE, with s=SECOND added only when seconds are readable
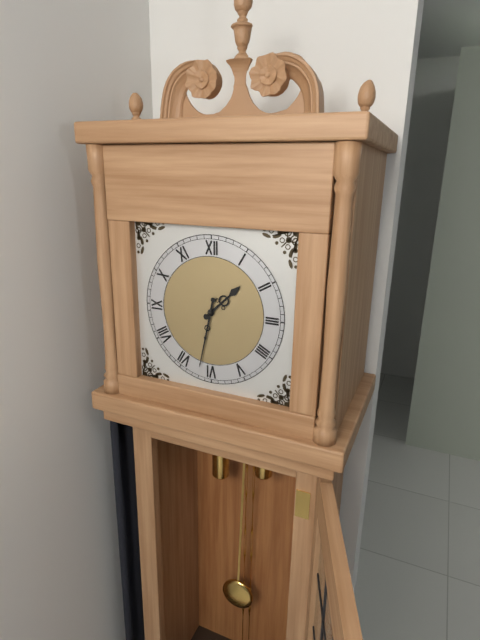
h=1 m=32
